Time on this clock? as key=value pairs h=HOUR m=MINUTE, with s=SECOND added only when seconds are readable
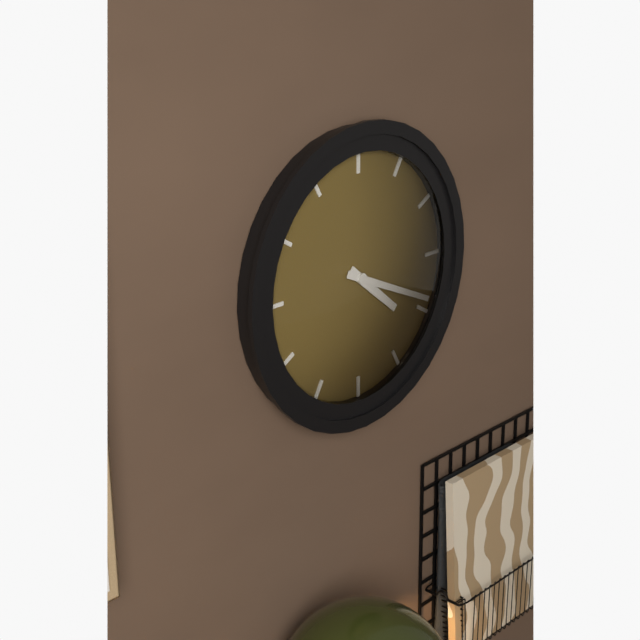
h=4 m=19
